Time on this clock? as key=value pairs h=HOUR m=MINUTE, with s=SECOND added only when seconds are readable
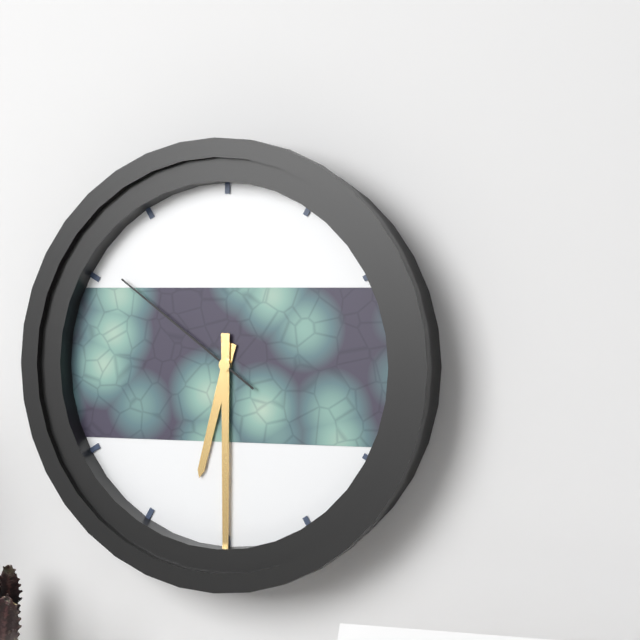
h=6 m=30 s=51
